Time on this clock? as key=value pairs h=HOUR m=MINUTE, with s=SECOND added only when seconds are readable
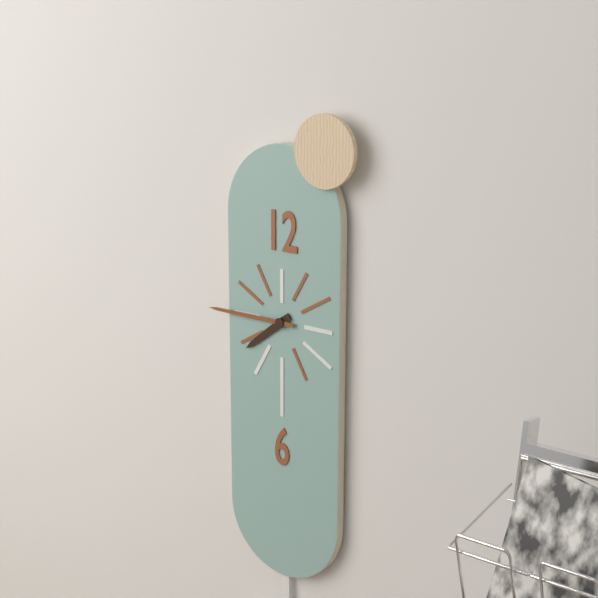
h=7 m=45
